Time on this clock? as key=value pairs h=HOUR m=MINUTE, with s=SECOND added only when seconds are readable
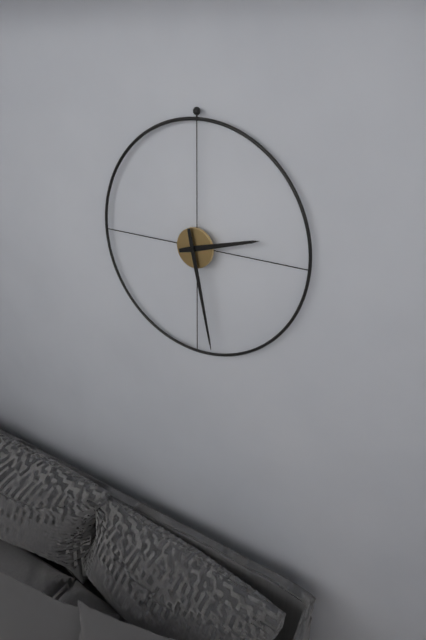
h=2 m=28
